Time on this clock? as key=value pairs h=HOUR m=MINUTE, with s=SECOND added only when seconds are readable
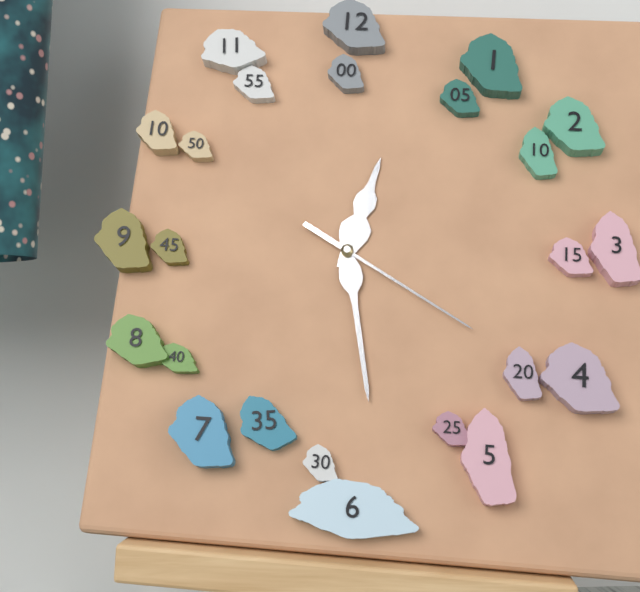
h=12 m=28 s=20
